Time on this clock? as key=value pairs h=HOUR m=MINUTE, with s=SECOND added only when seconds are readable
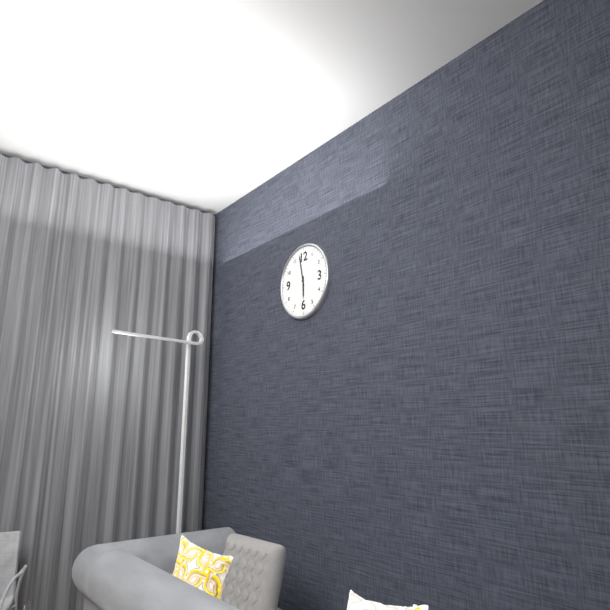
h=5 m=58
